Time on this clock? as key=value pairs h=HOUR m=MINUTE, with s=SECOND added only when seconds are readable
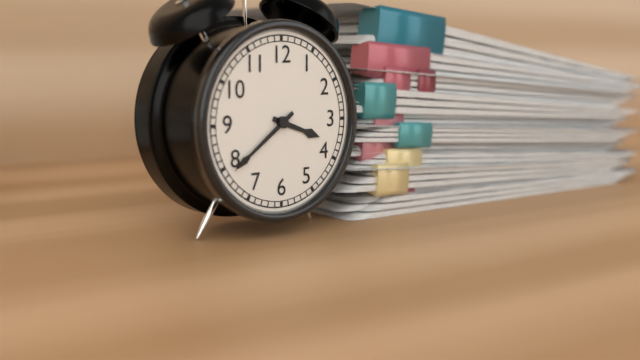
h=3 m=39
